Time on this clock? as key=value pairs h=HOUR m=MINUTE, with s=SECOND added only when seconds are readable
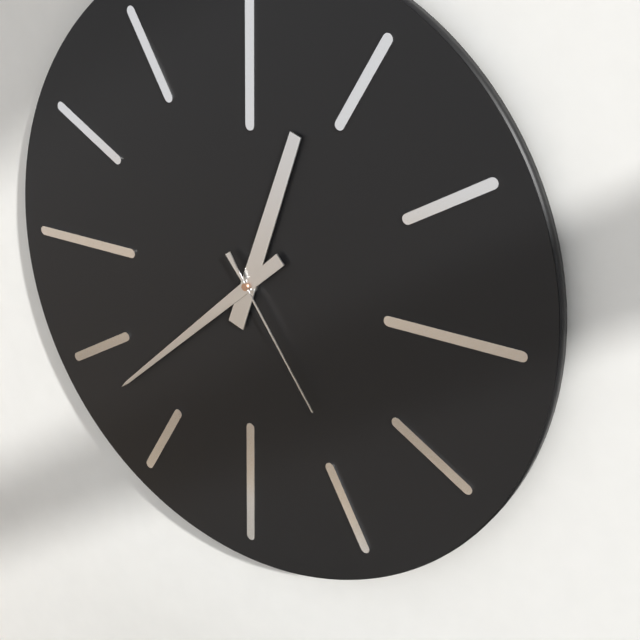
h=12 m=38 s=24
